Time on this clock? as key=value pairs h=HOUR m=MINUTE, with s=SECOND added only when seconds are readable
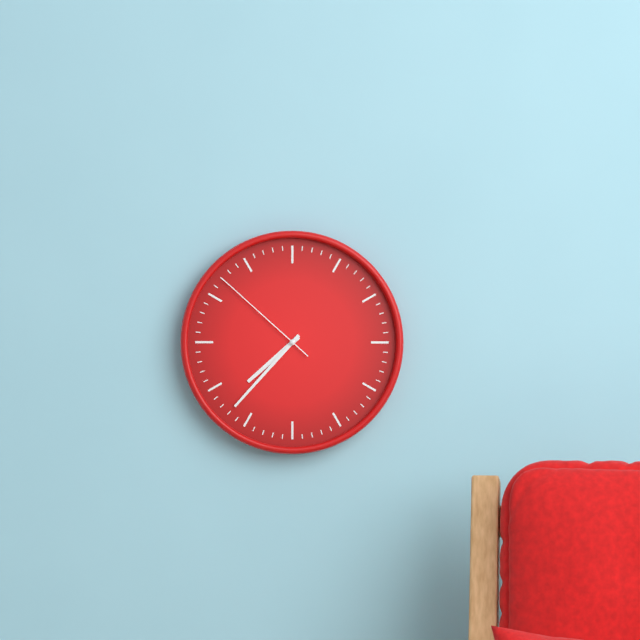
h=7 m=37 s=52
